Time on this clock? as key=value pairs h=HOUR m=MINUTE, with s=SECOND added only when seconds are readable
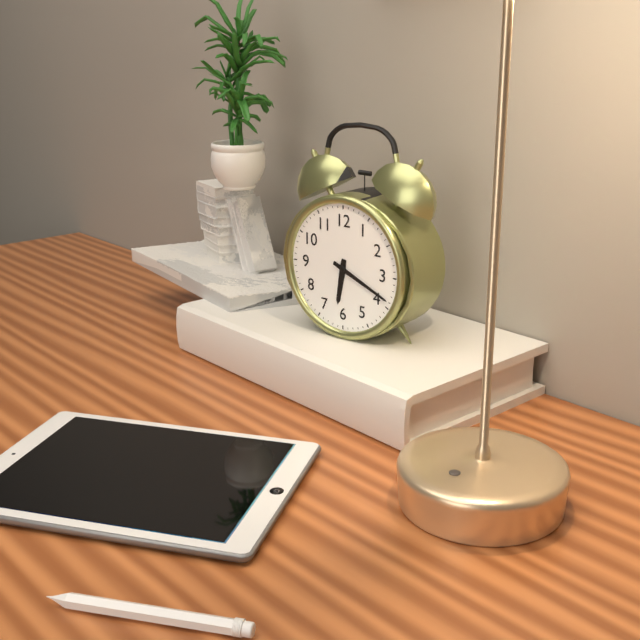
h=6 m=19
